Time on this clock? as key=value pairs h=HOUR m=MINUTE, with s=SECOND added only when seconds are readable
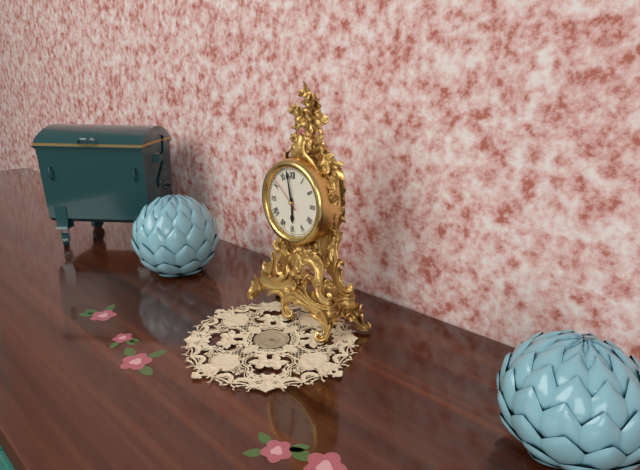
h=5 m=58
